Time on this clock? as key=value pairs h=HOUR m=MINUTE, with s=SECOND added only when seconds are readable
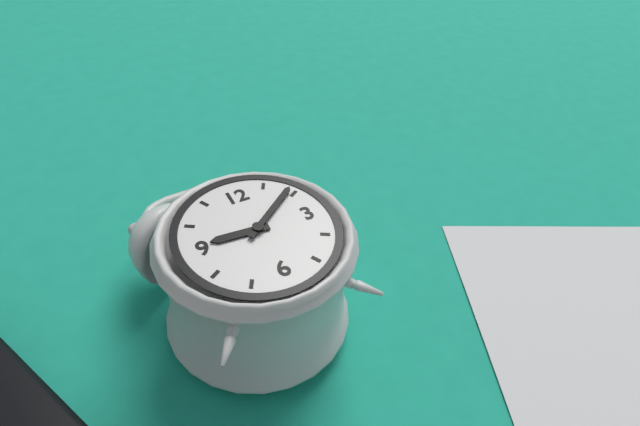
h=9 m=9
